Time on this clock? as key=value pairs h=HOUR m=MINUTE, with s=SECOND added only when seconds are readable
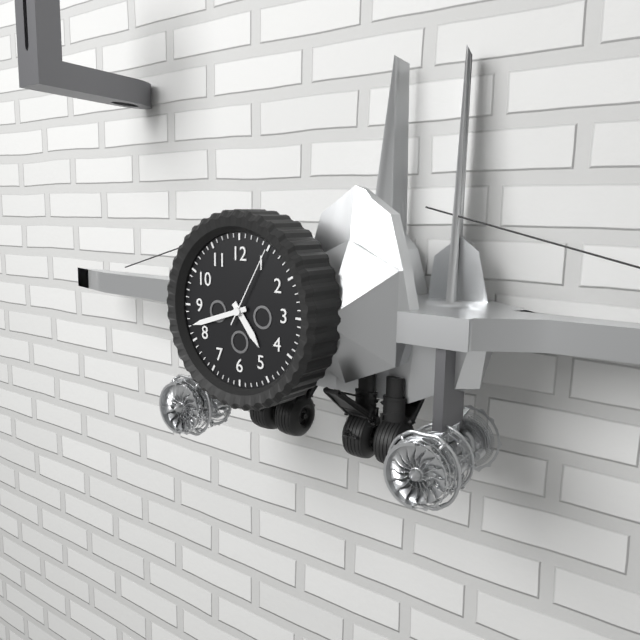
h=4 m=42 s=5
